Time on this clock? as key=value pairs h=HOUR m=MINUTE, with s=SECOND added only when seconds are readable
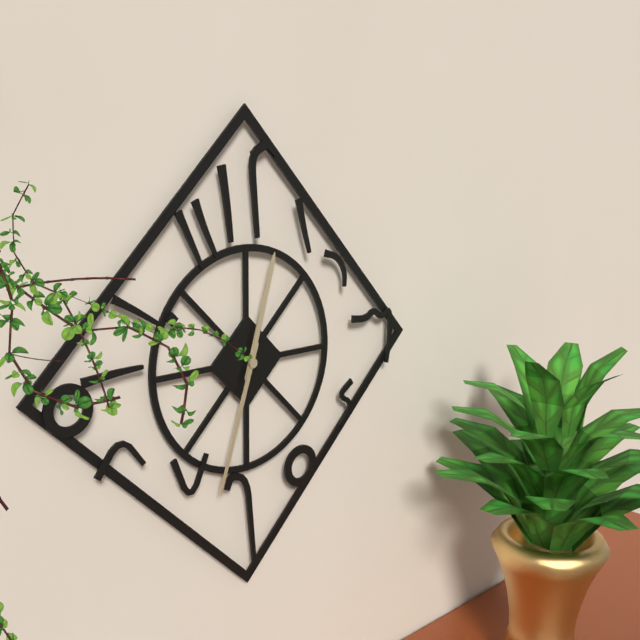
h=12 m=33
